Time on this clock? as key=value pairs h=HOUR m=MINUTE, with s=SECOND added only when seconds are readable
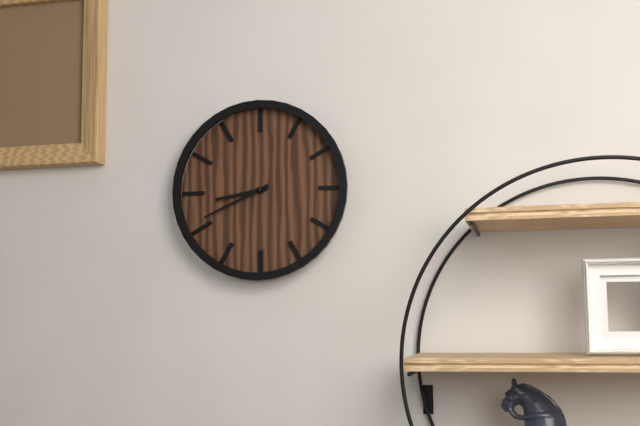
h=8 m=41
